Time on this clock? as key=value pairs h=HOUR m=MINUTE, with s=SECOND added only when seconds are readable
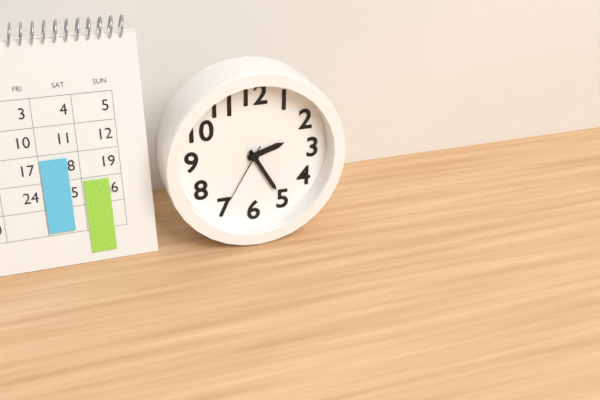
h=2 m=25 s=35
